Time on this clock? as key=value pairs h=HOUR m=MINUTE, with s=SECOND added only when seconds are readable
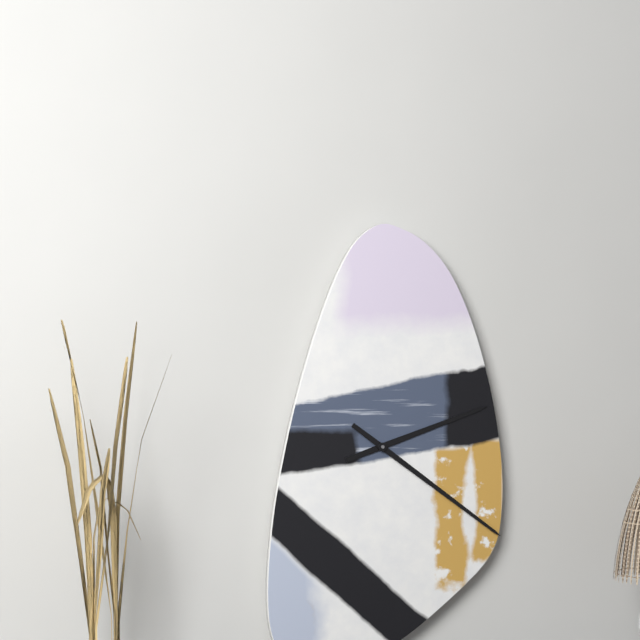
h=2 m=21
